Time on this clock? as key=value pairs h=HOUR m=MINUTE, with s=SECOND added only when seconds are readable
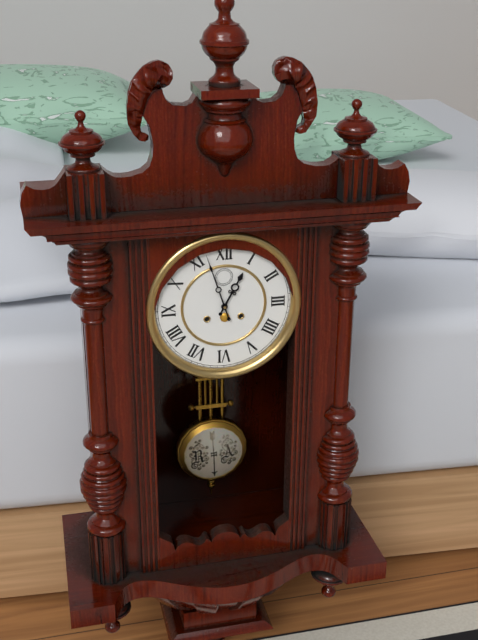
h=12 m=57
